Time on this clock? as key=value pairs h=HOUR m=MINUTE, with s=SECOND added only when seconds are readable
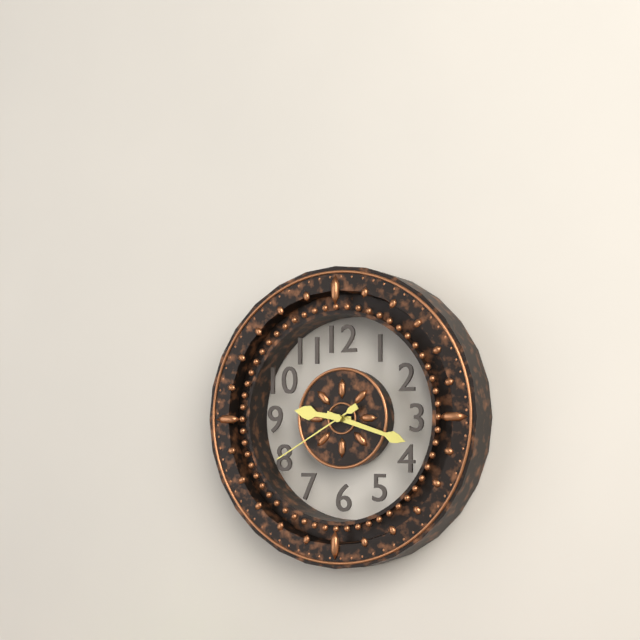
h=9 m=18 s=40
